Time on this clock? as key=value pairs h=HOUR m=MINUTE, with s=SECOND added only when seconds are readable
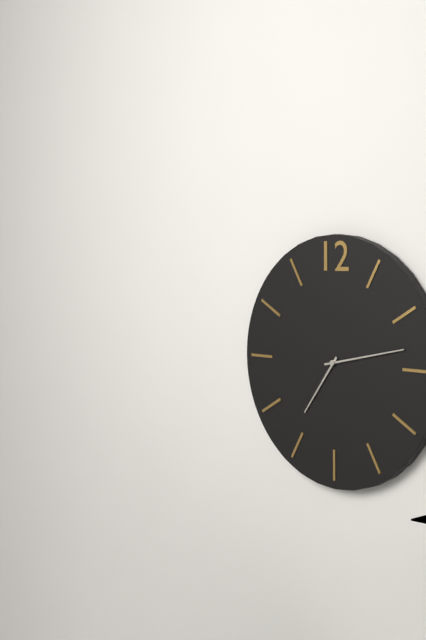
h=7 m=13
